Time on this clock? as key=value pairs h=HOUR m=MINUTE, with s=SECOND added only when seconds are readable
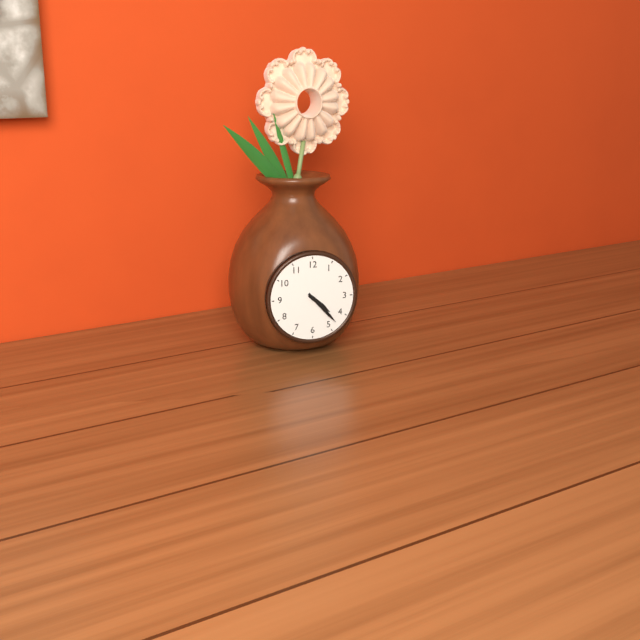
h=4 m=23
